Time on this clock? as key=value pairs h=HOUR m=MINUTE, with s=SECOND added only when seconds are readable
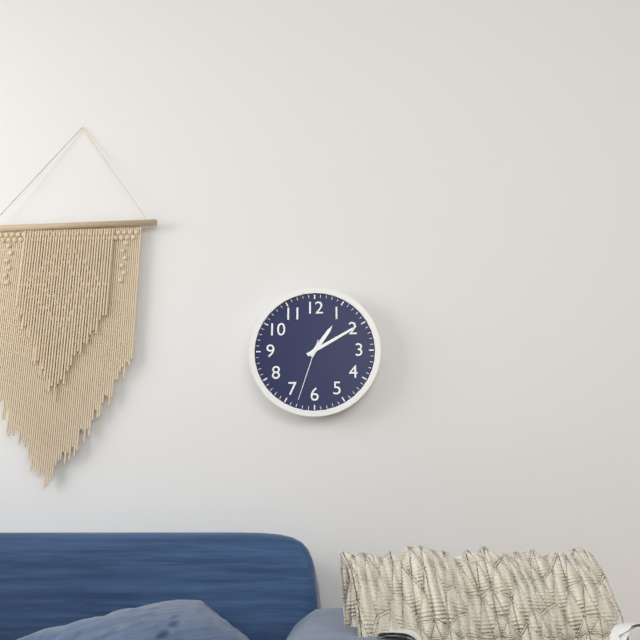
h=1 m=10 s=33
